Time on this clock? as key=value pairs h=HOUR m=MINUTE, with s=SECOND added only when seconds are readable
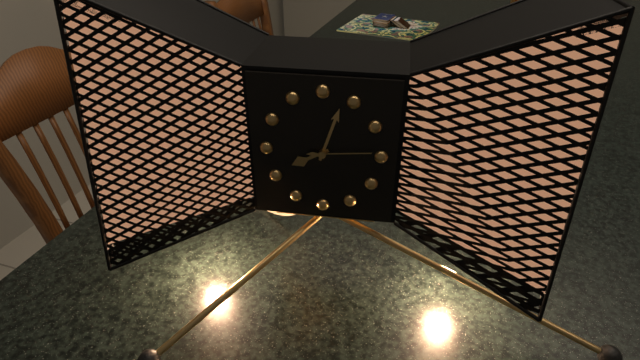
h=8 m=3 s=14
